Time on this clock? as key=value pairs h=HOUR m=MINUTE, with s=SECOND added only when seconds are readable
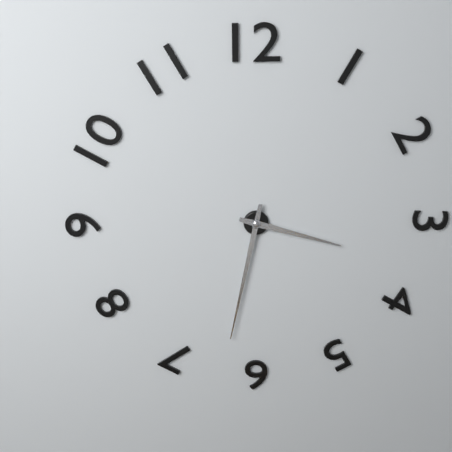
h=3 m=32
